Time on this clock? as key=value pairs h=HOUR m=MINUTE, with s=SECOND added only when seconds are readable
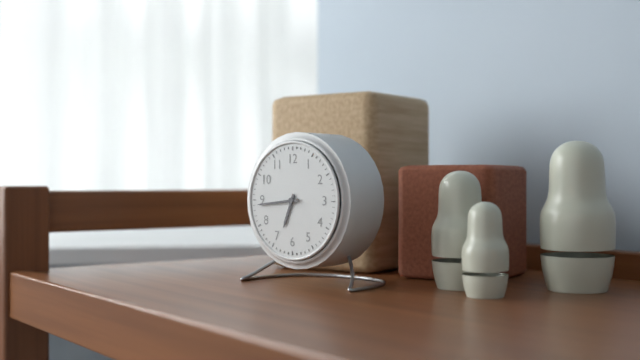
h=6 m=44
